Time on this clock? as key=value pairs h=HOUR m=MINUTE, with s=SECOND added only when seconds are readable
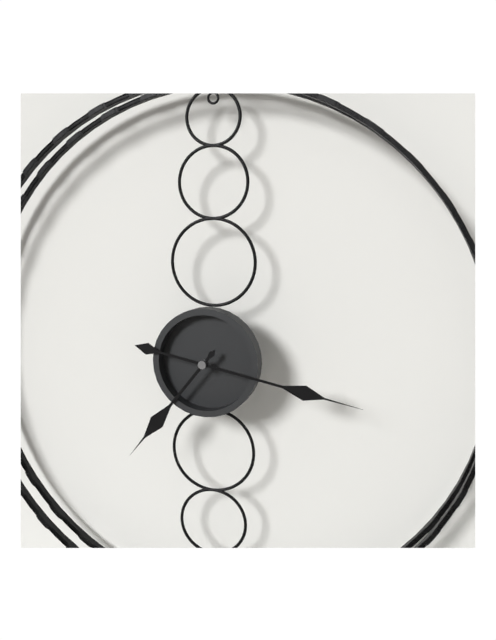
h=7 m=17
